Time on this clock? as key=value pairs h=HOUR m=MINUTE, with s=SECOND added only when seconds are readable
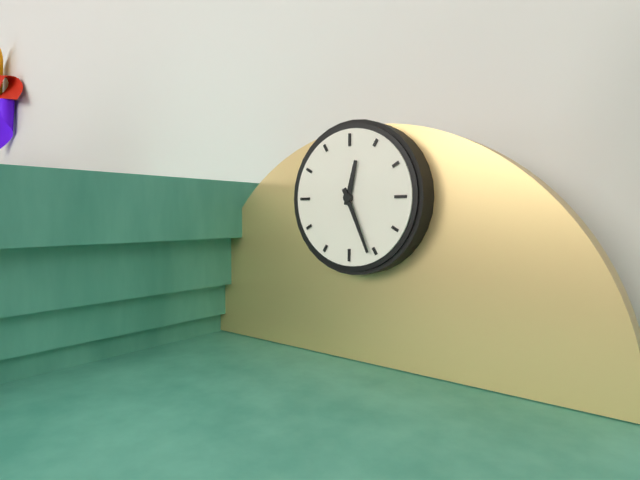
h=12 m=26
